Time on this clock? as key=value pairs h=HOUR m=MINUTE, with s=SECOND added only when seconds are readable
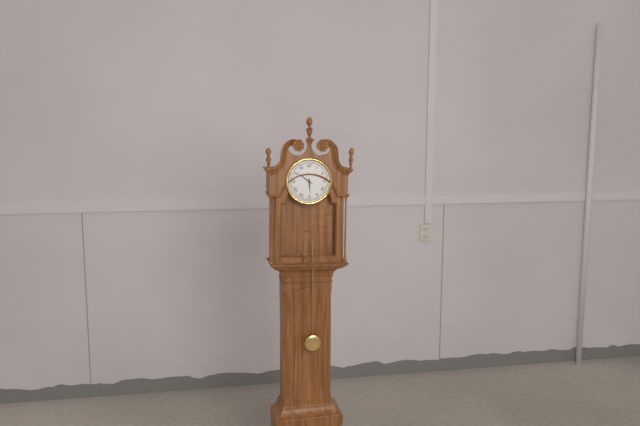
h=5 m=51
